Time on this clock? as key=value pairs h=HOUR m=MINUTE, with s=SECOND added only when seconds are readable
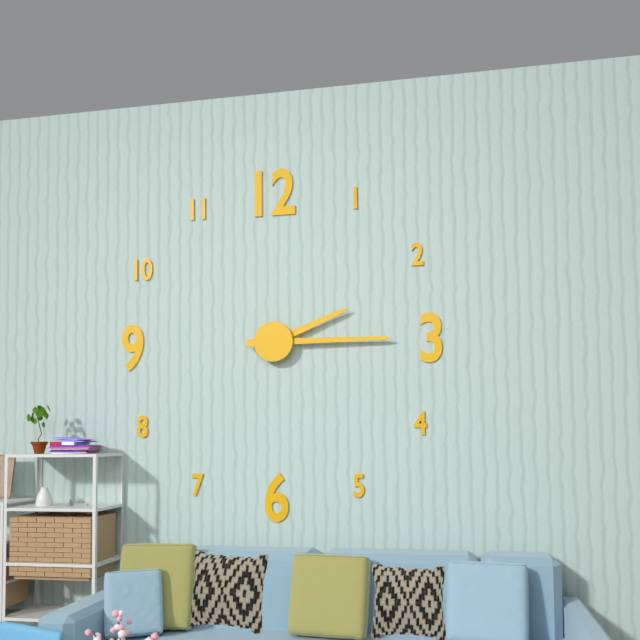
h=2 m=15
